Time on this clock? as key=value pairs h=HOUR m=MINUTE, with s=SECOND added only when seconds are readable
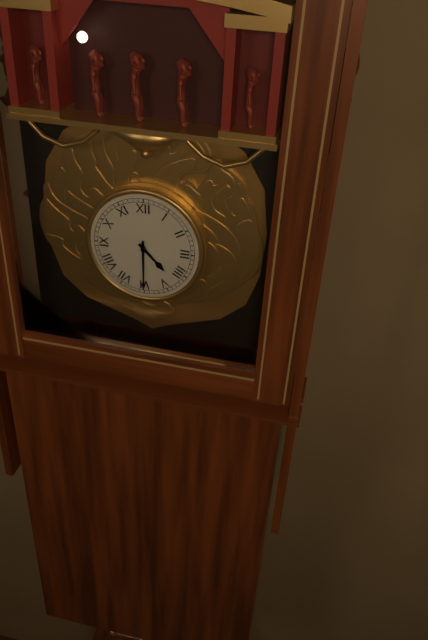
h=4 m=30
